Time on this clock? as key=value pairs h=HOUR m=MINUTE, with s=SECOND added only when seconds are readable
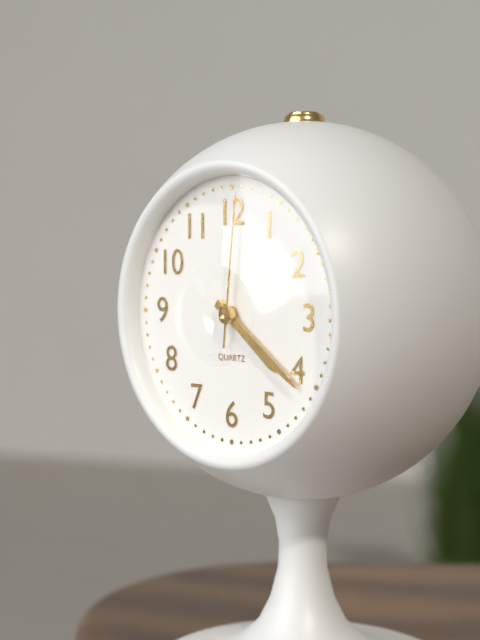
h=4 m=21 s=1
